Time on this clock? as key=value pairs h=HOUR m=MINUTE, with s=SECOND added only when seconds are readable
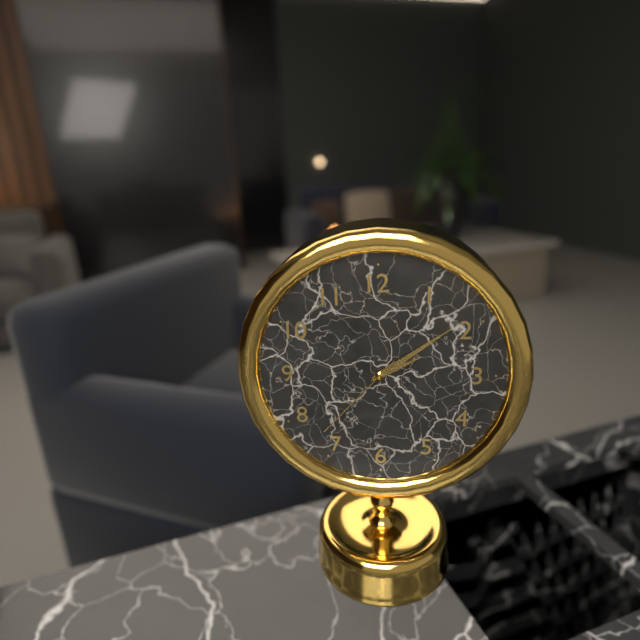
h=2 m=9 s=37
